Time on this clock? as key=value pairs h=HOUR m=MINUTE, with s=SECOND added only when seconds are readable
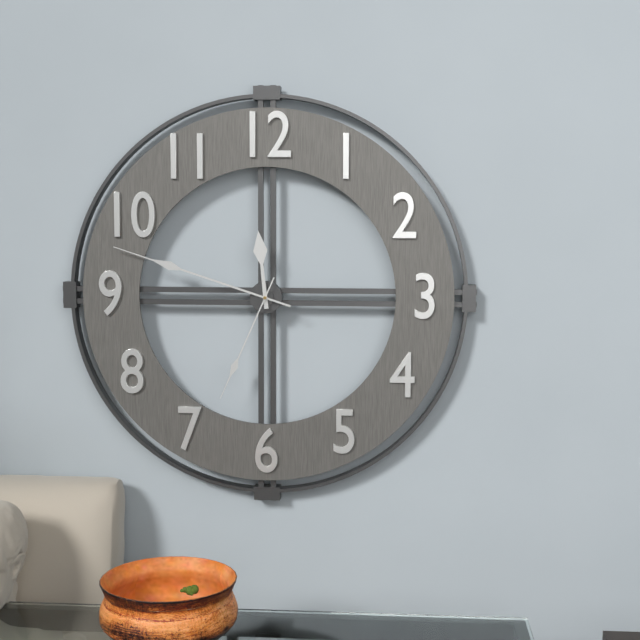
h=11 m=48 s=34
